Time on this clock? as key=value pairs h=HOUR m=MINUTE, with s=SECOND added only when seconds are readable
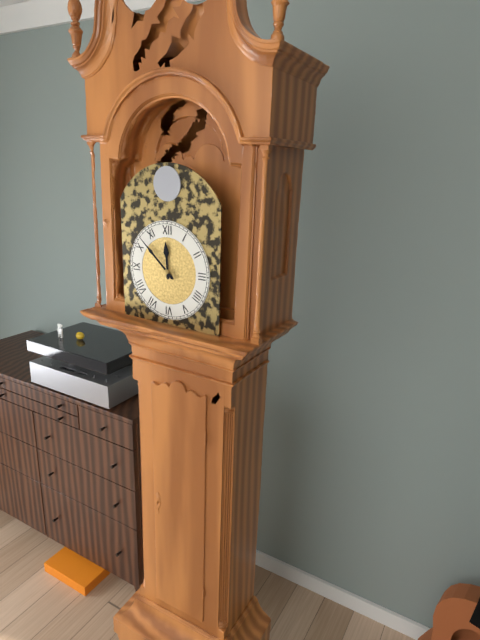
h=11 m=52
